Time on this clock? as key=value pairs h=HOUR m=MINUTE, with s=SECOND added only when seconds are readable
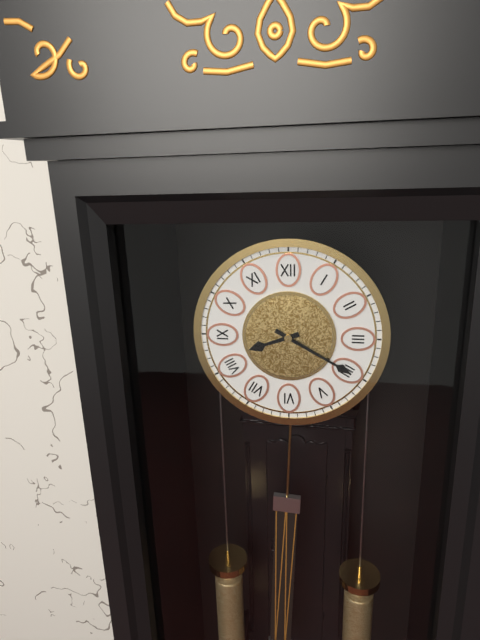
h=8 m=20
